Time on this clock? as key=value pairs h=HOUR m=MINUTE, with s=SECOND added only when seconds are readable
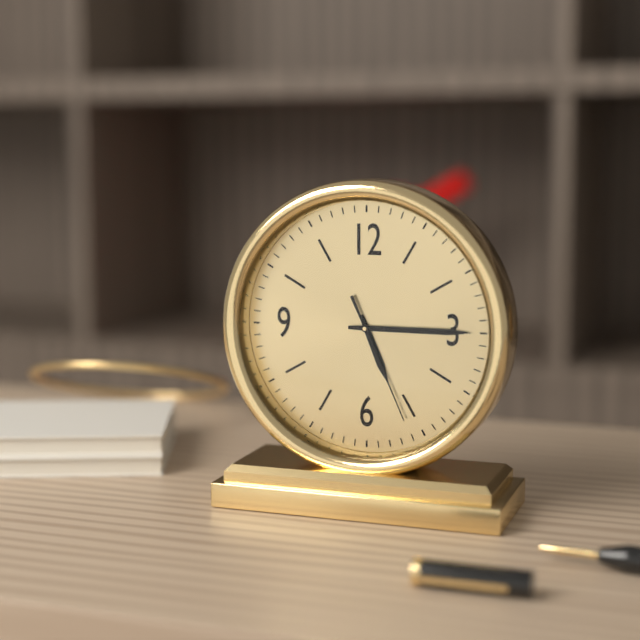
h=5 m=15 s=26
